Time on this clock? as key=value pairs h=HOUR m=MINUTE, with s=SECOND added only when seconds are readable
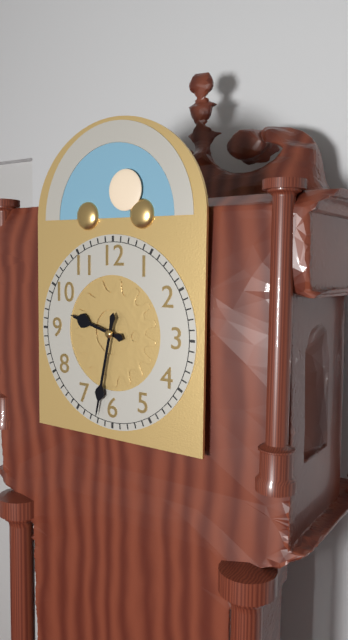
h=9 m=32
